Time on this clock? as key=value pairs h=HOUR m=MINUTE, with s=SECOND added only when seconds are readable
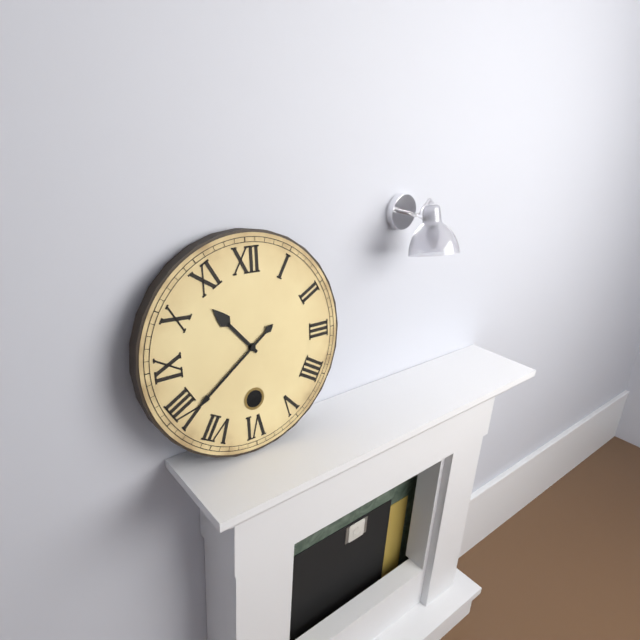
h=10 m=39
